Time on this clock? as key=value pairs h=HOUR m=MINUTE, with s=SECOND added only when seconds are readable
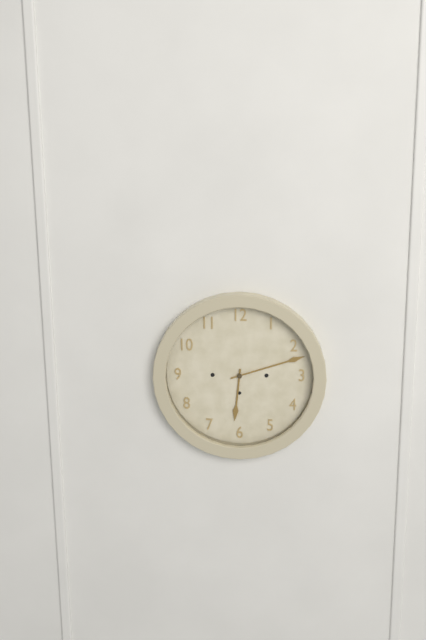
h=6 m=12
